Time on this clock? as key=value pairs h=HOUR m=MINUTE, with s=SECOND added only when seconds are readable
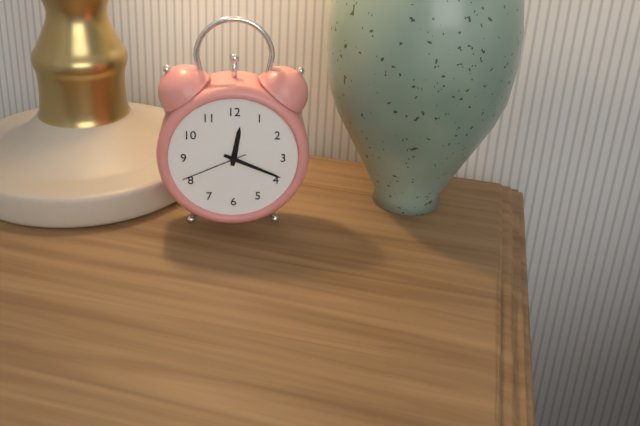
h=12 m=19 s=41
